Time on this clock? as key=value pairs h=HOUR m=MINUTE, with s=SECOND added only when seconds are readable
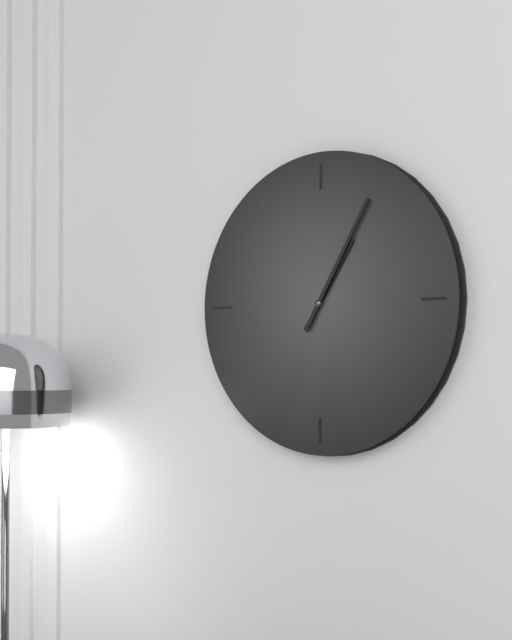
h=1 m=5
